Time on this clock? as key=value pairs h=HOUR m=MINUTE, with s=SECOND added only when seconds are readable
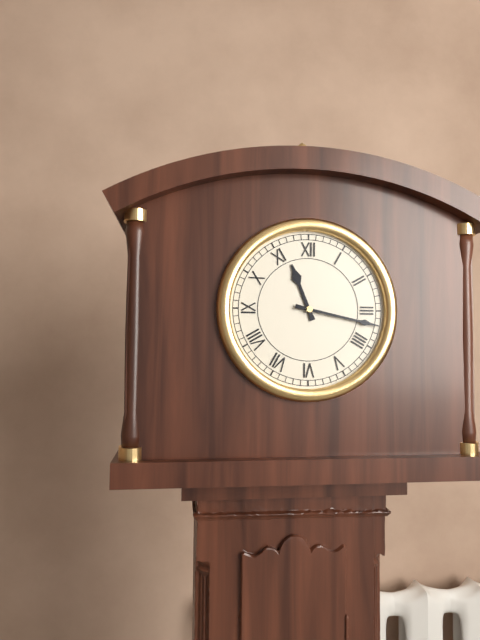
h=11 m=17
